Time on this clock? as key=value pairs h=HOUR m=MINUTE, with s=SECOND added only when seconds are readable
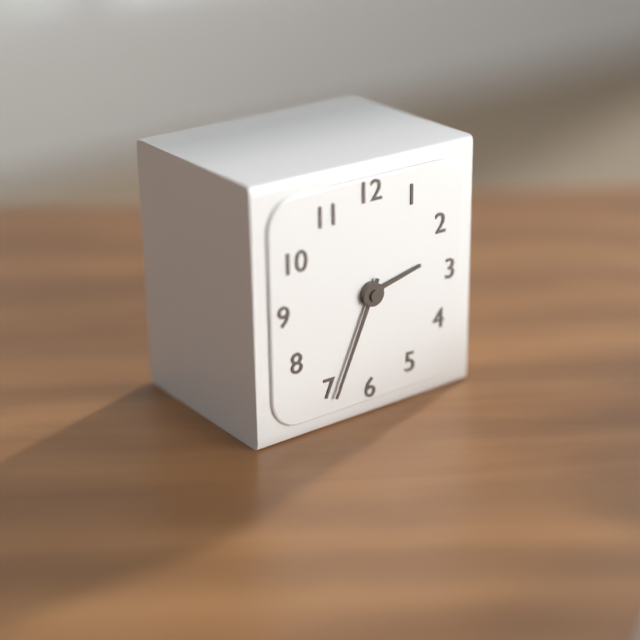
h=2 m=34
